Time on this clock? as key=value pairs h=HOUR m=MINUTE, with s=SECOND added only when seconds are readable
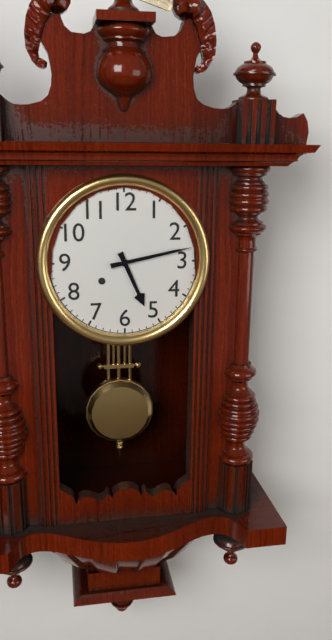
h=5 m=13
